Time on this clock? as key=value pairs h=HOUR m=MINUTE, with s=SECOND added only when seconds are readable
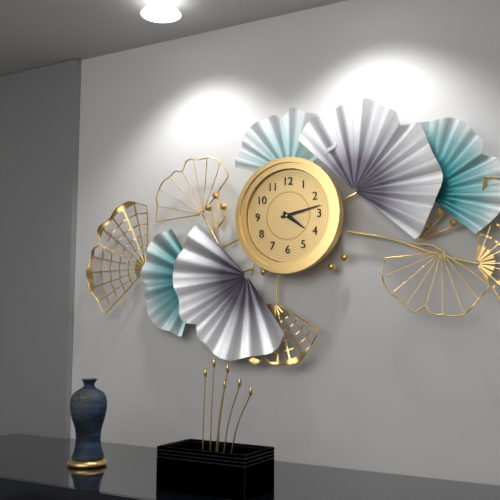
h=4 m=13
